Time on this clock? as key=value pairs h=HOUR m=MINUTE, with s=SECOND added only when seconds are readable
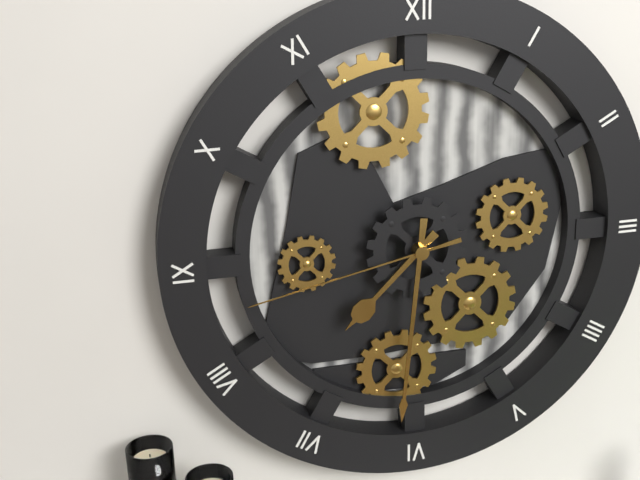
h=7 m=31 s=43
